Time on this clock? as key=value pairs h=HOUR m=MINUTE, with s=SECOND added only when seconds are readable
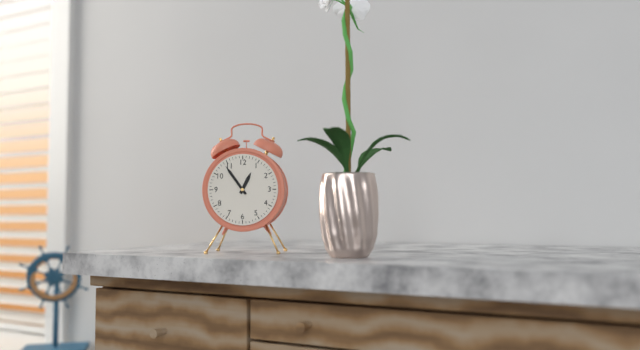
h=12 m=54
